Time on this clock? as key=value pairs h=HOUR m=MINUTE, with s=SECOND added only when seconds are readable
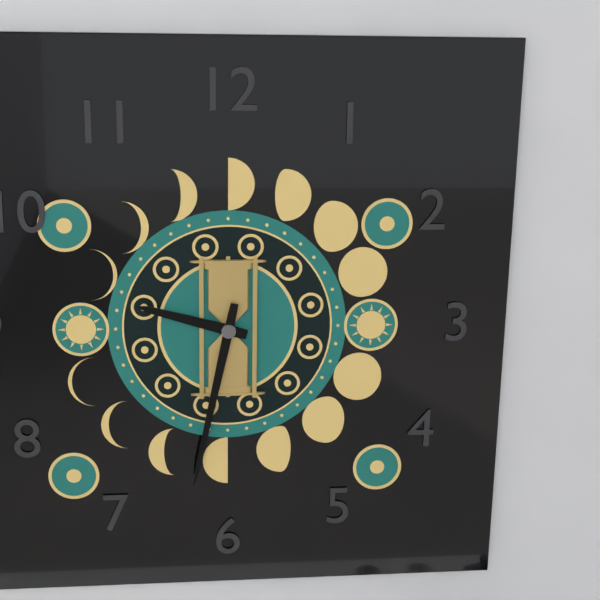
h=9 m=32
